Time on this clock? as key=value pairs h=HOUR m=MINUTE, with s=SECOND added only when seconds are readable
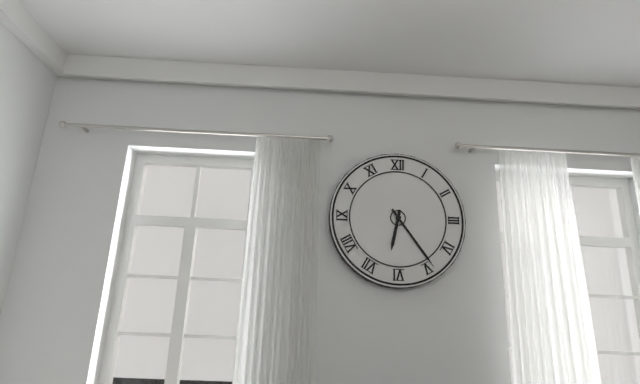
h=6 m=24
